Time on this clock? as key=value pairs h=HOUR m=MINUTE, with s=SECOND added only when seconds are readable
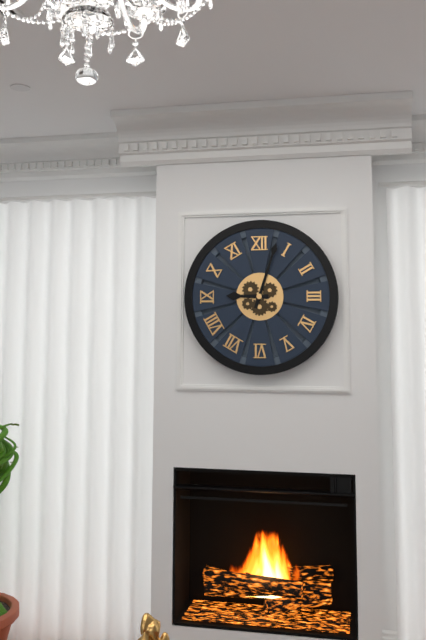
h=9 m=3
